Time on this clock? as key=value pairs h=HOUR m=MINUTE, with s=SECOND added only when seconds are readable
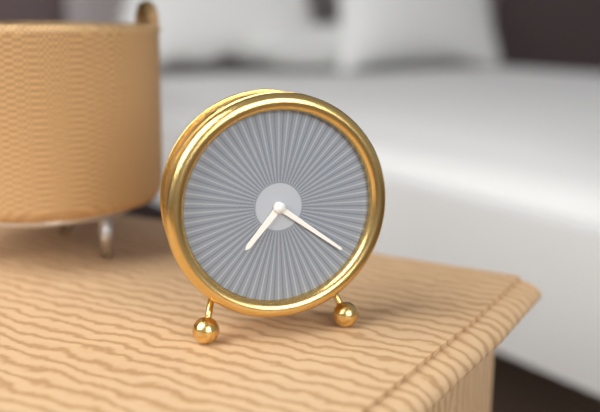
h=7 m=21
